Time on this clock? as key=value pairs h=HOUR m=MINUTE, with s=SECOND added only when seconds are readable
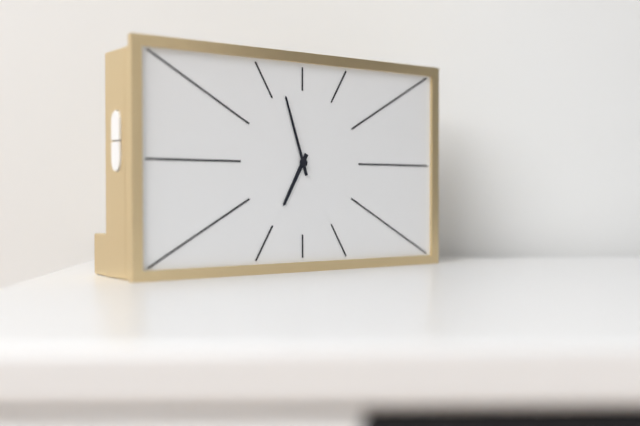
h=6 m=57
